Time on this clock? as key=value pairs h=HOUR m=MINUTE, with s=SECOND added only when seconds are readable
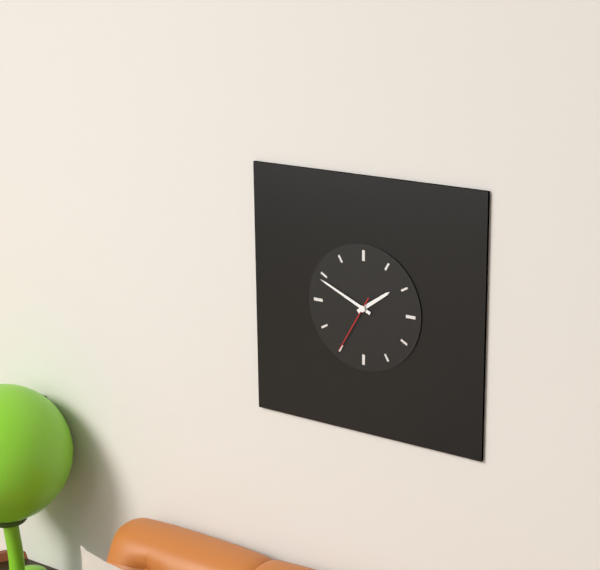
h=1 m=49 s=35
